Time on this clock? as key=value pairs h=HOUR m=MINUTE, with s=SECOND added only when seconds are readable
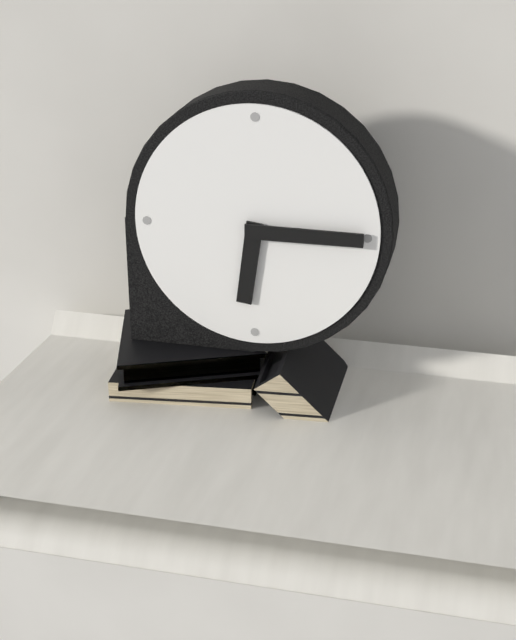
h=6 m=15
